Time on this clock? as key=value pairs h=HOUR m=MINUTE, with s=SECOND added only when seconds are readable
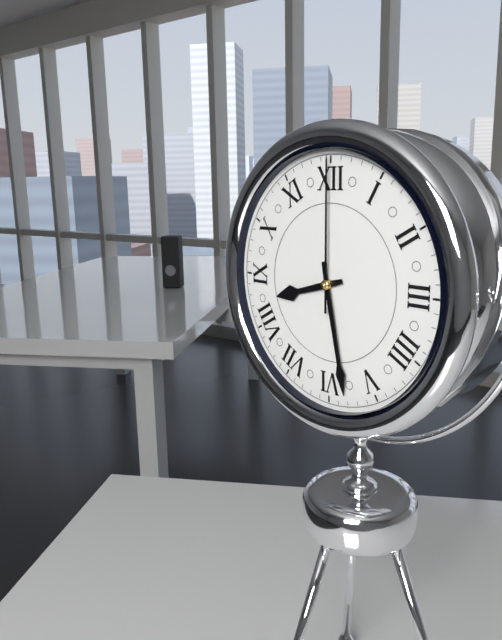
h=8 m=28 s=0
